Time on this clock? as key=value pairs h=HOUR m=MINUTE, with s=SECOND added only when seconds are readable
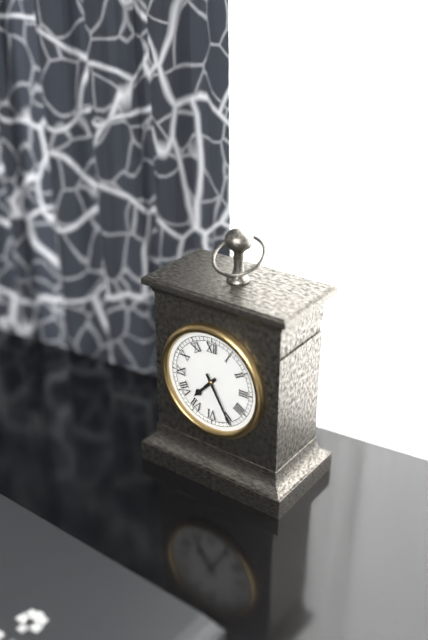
h=7 m=25
